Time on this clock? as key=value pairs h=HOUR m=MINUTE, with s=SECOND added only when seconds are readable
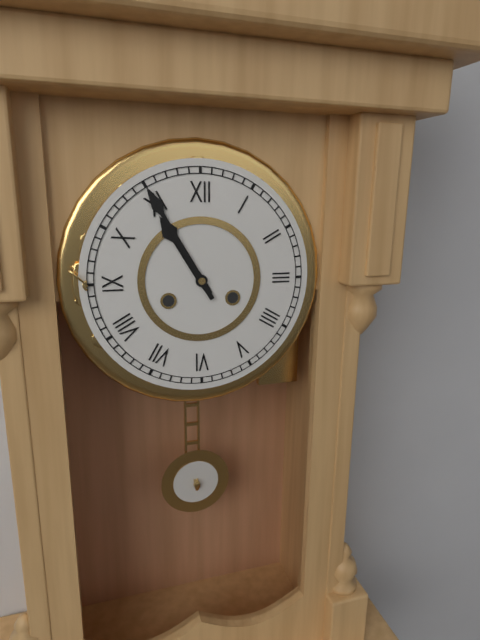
h=10 m=55
